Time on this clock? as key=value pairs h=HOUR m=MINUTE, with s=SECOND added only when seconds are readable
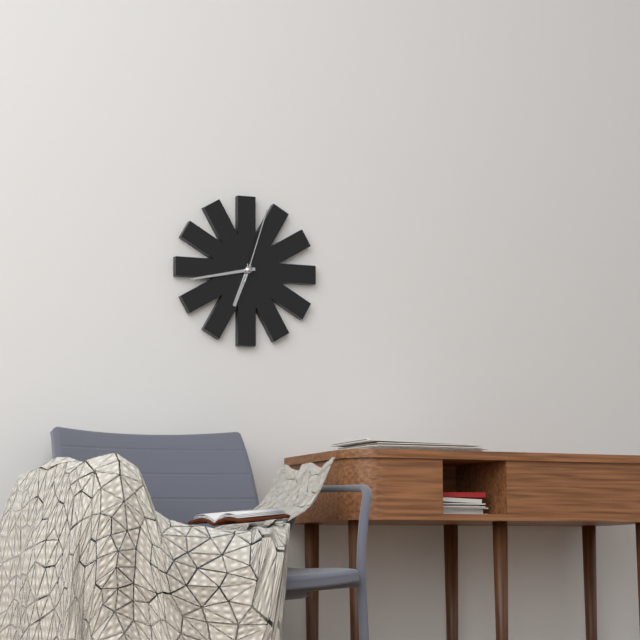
h=6 m=43 s=3
